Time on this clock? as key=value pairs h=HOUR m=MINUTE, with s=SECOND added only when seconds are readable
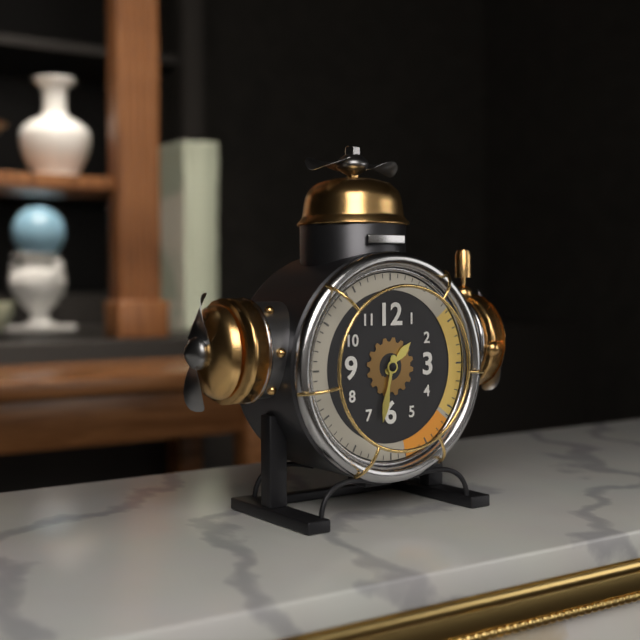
h=1 m=32
